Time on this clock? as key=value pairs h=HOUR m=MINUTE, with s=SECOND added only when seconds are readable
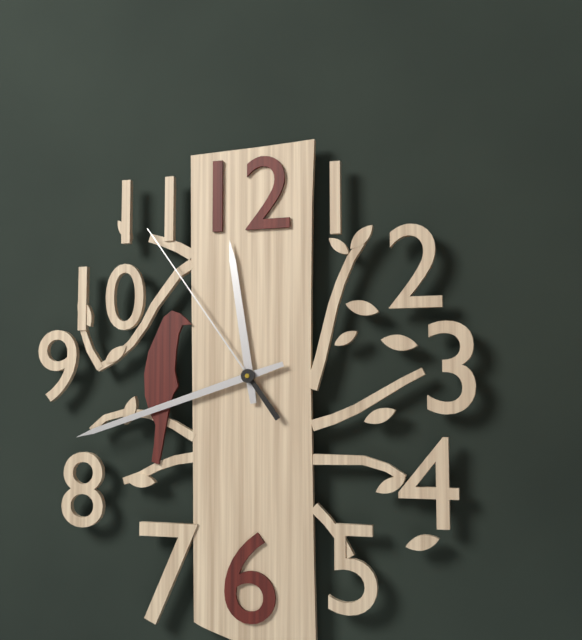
h=11 m=42 s=54
